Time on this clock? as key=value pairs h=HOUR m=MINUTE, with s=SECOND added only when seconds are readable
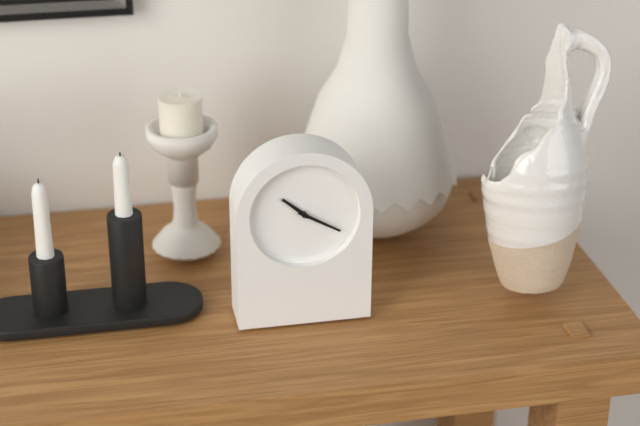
h=10 m=20
